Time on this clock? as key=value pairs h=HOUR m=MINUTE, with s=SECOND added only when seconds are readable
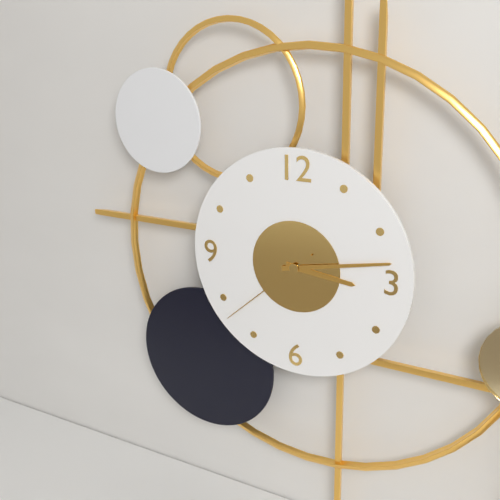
h=3 m=13 s=38
